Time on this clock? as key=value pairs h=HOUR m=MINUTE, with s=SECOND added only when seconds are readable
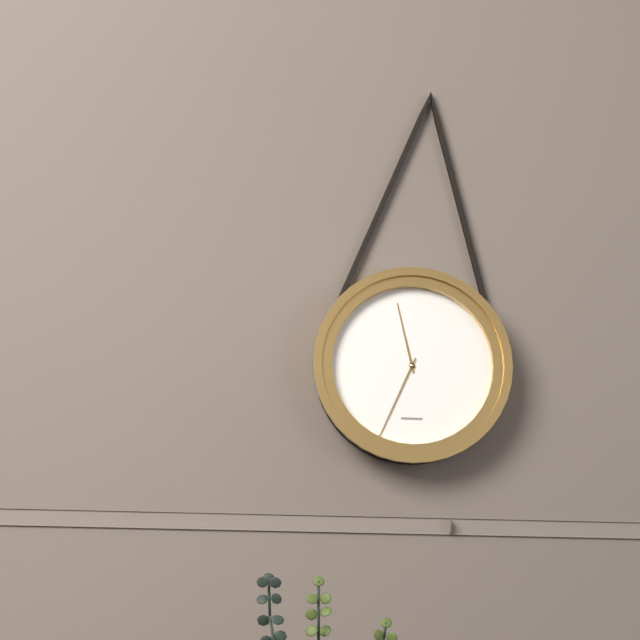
h=11 m=34
